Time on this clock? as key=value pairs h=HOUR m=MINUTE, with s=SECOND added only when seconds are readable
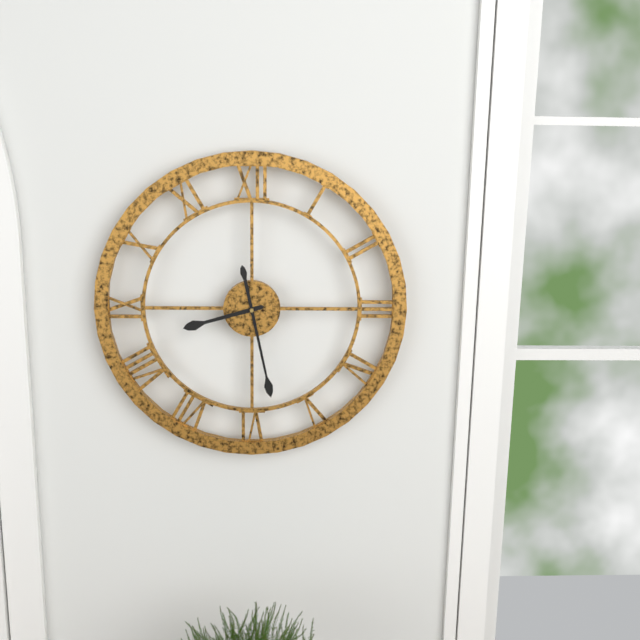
h=8 m=28
